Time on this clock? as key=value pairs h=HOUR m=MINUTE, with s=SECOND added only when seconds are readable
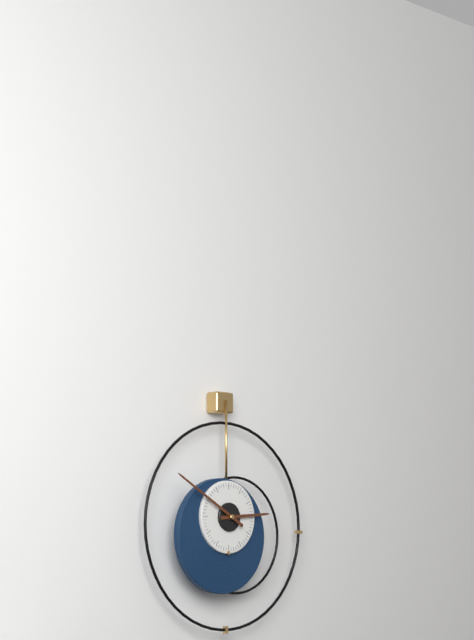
h=2 m=50
